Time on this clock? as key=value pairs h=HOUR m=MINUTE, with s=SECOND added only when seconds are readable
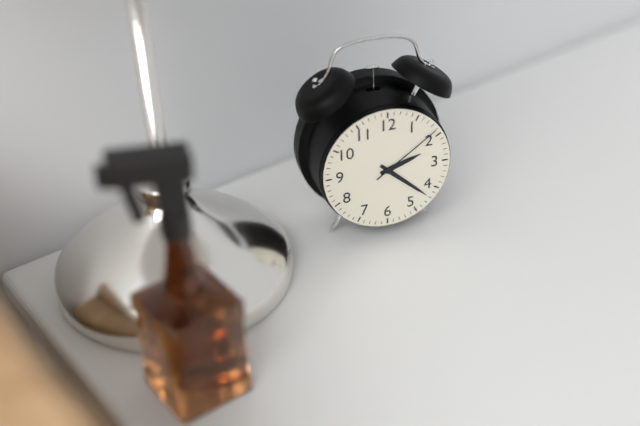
h=2 m=22 s=9
